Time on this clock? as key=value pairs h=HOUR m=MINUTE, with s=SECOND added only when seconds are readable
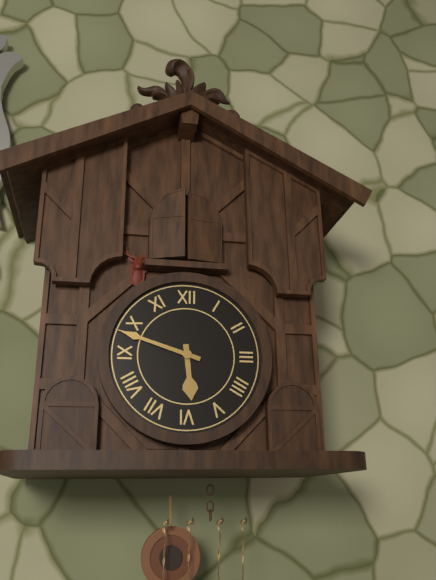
h=5 m=48
